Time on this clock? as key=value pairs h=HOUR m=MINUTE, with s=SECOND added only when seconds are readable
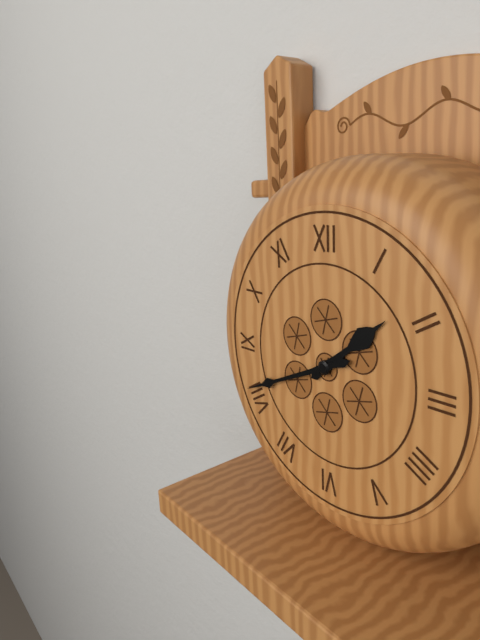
h=1 m=41
